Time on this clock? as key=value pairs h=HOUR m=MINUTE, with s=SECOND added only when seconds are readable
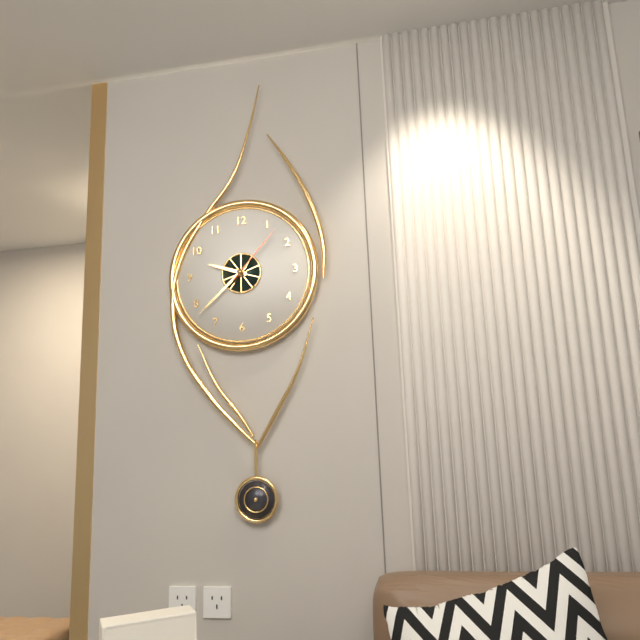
h=9 m=38 s=7
